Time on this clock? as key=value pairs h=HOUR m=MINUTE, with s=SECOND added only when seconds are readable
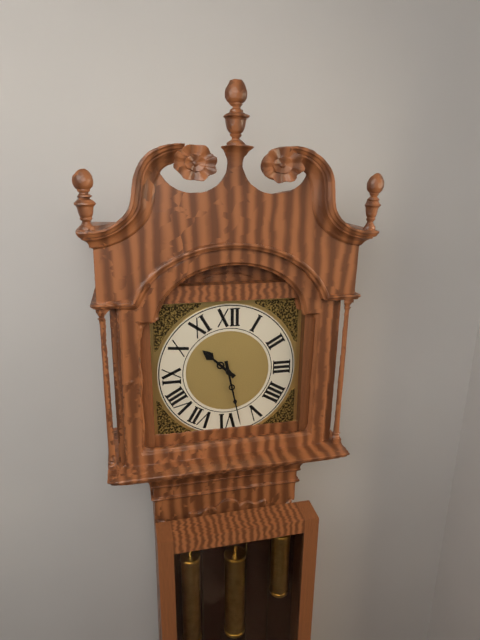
h=10 m=28
